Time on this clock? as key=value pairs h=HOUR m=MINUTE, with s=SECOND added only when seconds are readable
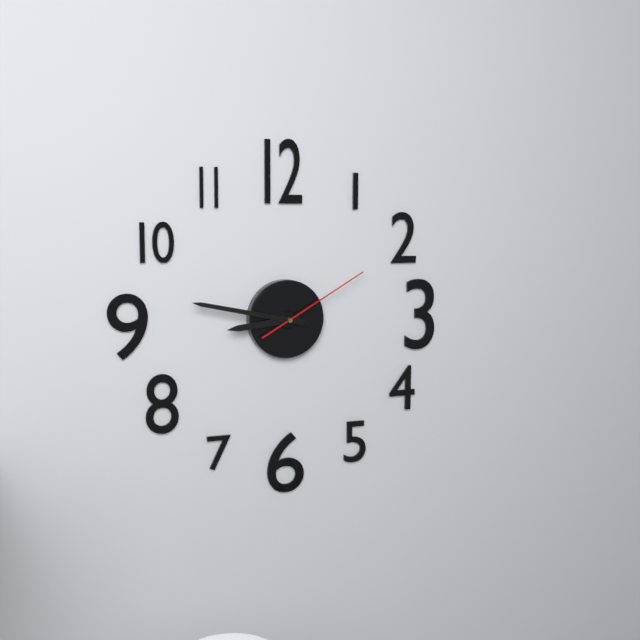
h=8 m=47 s=10
